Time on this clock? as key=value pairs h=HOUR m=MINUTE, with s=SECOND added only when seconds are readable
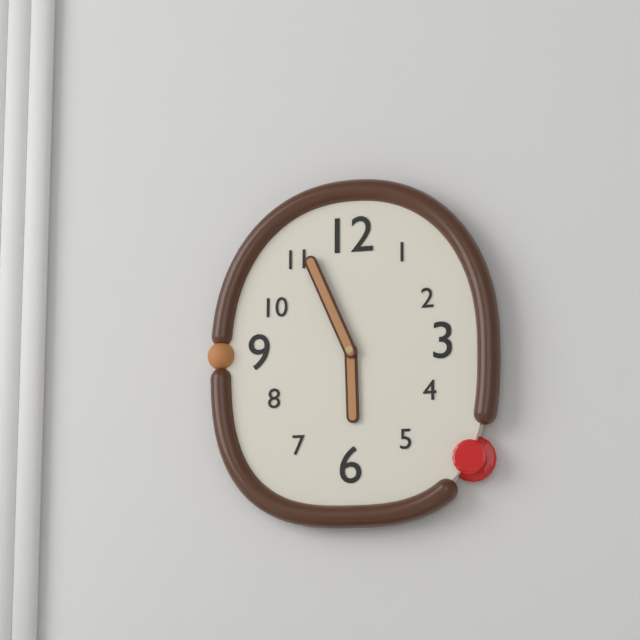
h=5 m=56
